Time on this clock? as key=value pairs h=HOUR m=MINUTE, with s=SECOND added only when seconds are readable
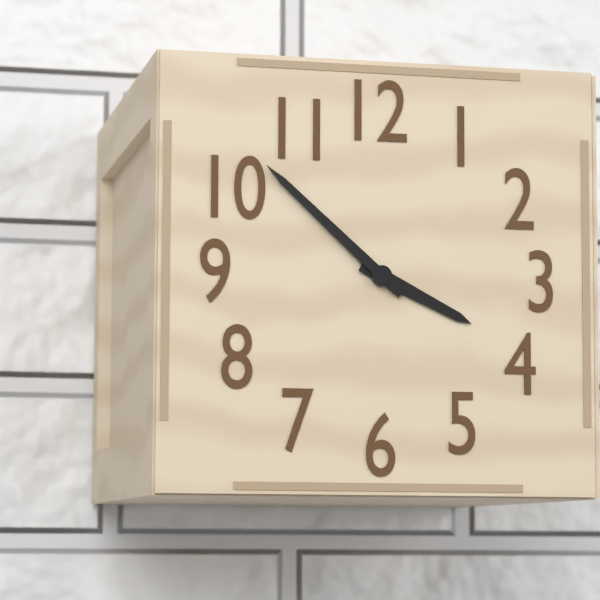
h=3 m=52
